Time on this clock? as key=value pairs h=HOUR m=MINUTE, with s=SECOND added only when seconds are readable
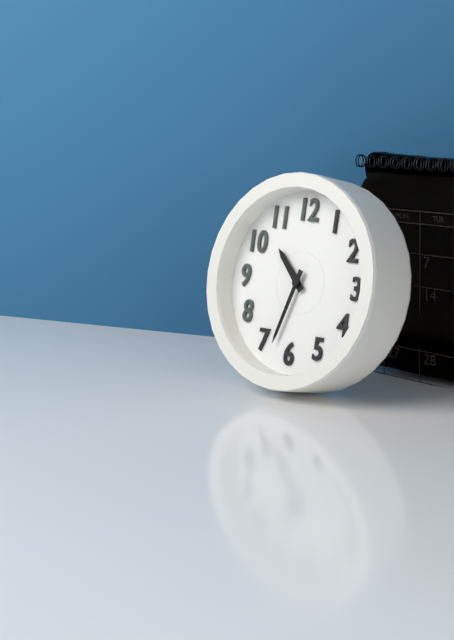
h=10 m=33
